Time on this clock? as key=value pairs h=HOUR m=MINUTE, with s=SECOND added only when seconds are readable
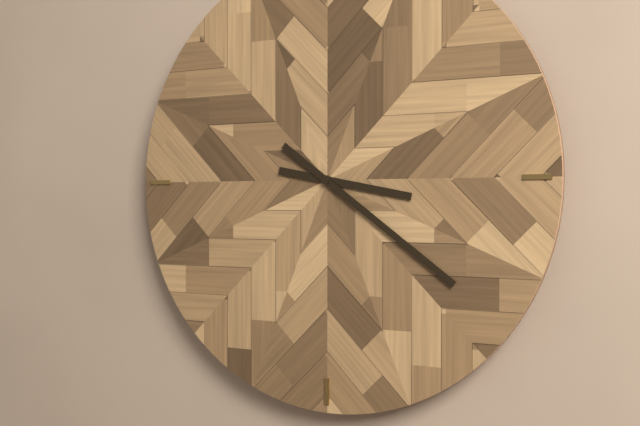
h=3 m=21
